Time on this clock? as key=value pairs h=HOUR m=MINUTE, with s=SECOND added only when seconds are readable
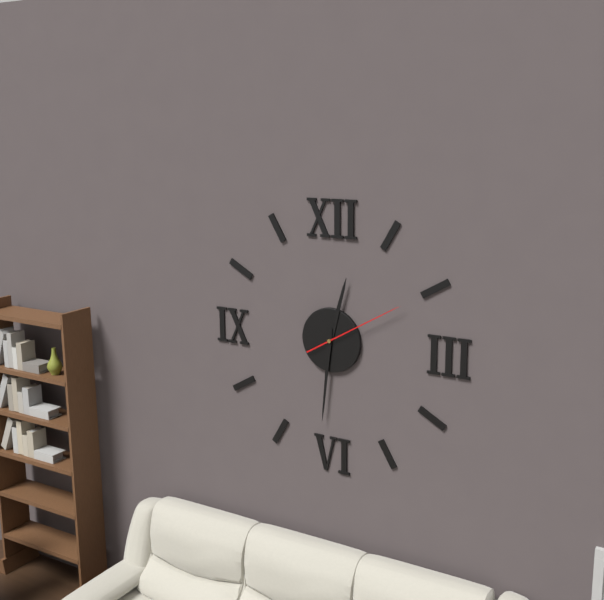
h=12 m=31 s=10
